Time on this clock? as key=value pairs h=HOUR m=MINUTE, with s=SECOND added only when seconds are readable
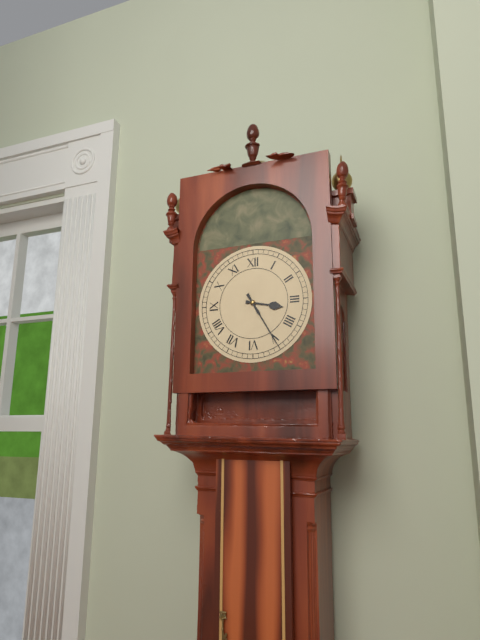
h=3 m=25
